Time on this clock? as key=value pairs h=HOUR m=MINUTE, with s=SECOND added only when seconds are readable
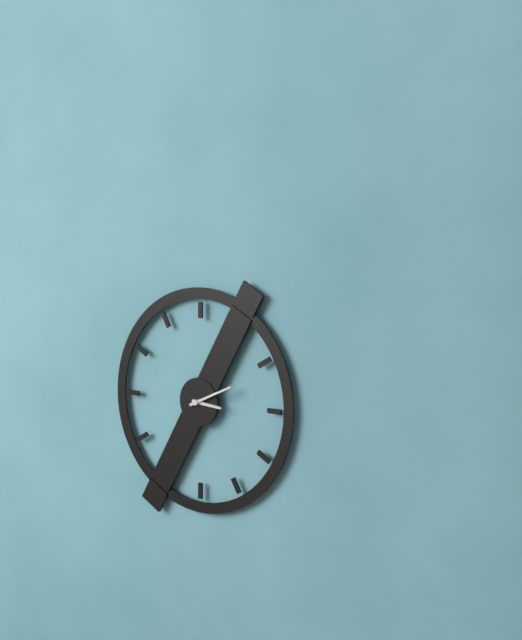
h=3 m=11
